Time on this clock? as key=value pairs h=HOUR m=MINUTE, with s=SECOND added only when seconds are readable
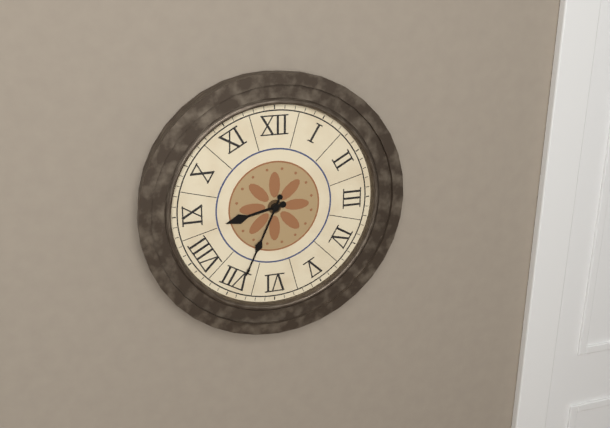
h=8 m=34
